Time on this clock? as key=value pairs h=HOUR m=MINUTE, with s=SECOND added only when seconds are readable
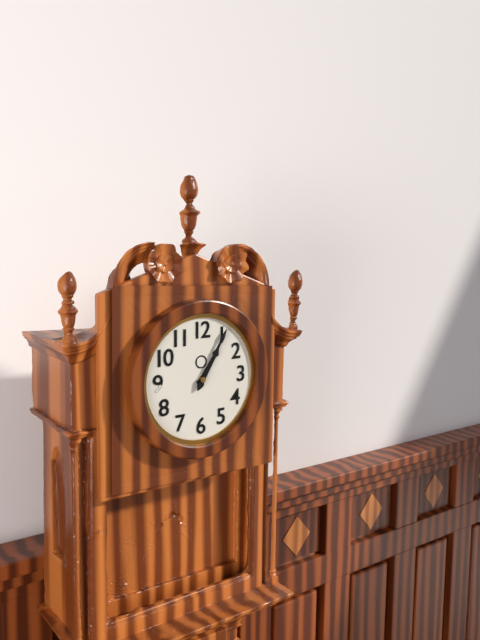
h=1 m=5
